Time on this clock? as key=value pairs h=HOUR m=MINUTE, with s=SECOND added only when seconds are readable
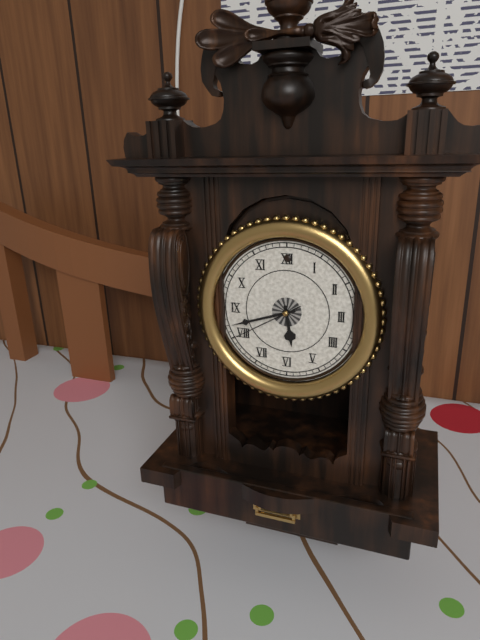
h=5 m=42 s=40
